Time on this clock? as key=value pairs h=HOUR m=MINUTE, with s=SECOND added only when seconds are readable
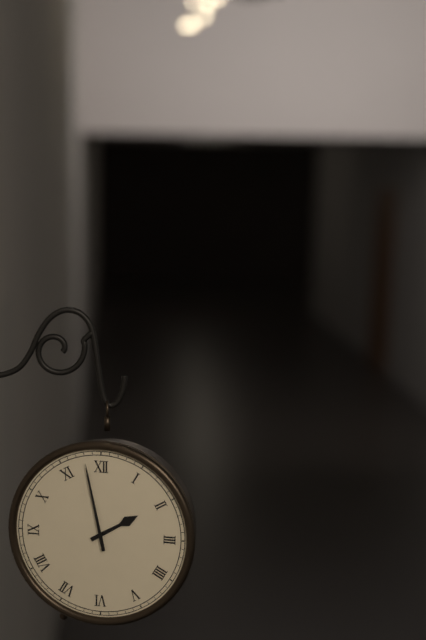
h=1 m=58
